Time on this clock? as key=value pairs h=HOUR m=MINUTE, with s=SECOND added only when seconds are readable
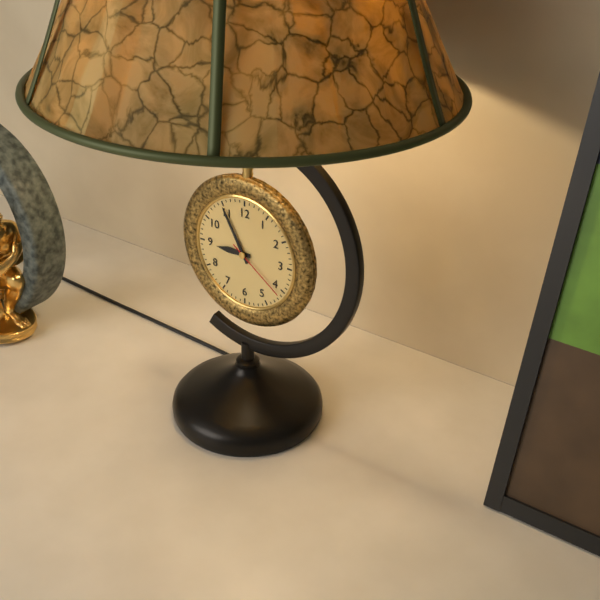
h=8 m=55 s=21
